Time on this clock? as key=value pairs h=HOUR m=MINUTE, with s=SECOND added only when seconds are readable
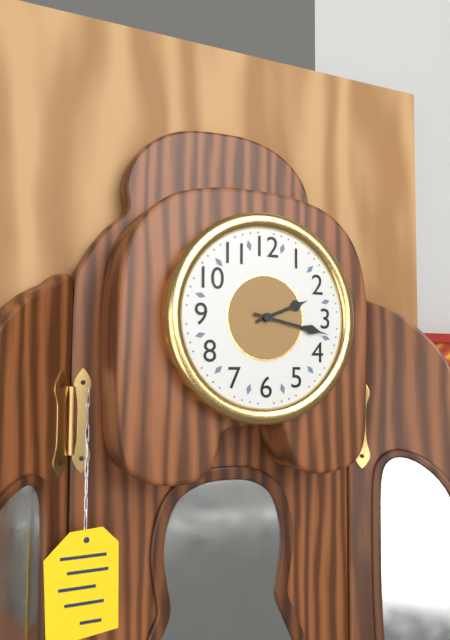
h=2 m=17
